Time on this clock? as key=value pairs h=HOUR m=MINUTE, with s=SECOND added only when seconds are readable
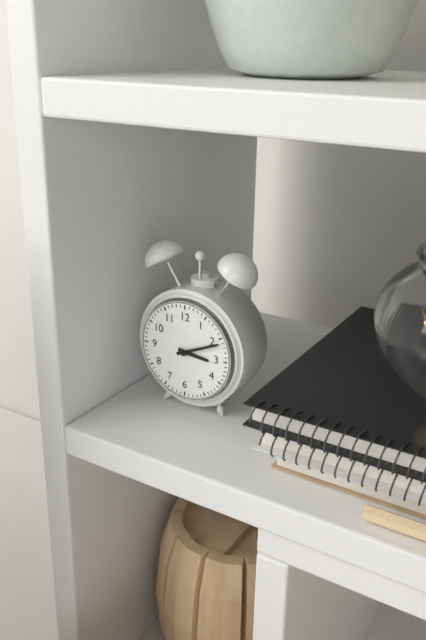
h=3 m=11
